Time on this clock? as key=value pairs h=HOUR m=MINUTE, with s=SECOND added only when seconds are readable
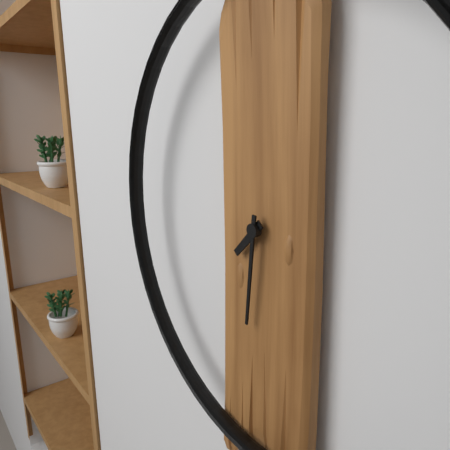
h=7 m=31
